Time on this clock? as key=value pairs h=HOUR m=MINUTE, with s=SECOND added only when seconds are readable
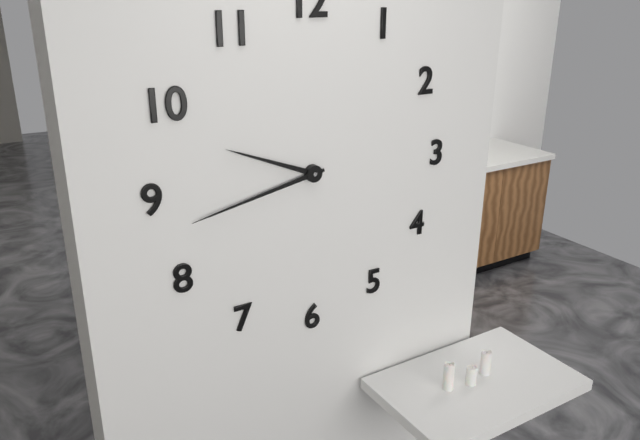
h=9 m=43
